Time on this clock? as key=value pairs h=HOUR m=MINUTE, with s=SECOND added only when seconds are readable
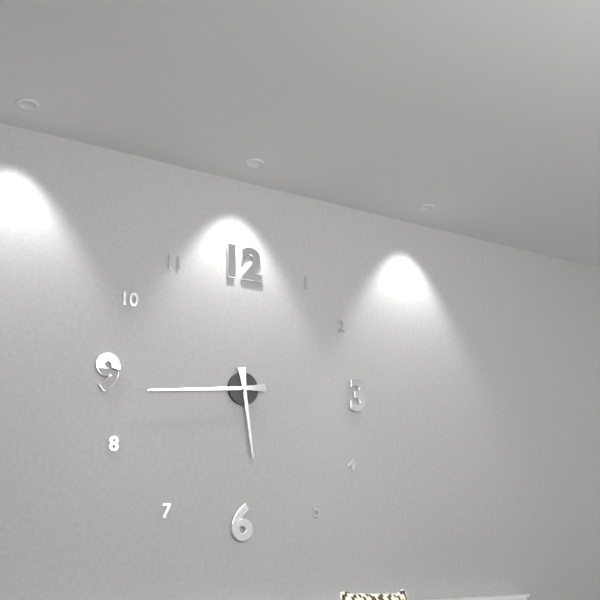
h=5 m=44
